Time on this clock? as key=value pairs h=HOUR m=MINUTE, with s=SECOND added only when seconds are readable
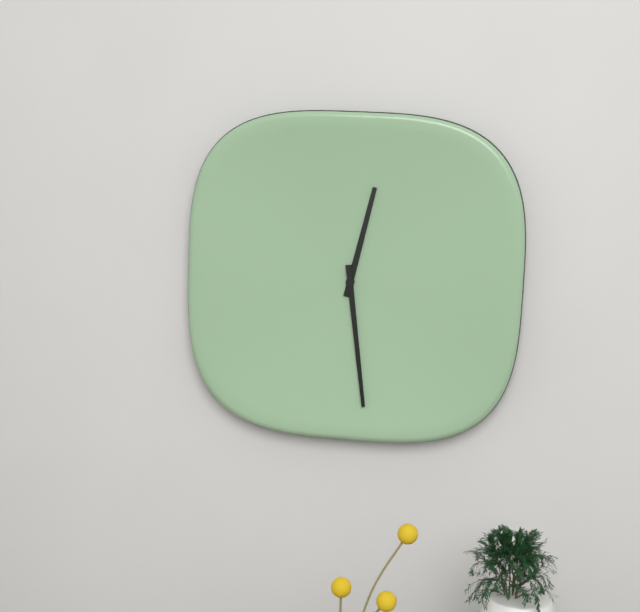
h=12 m=29
